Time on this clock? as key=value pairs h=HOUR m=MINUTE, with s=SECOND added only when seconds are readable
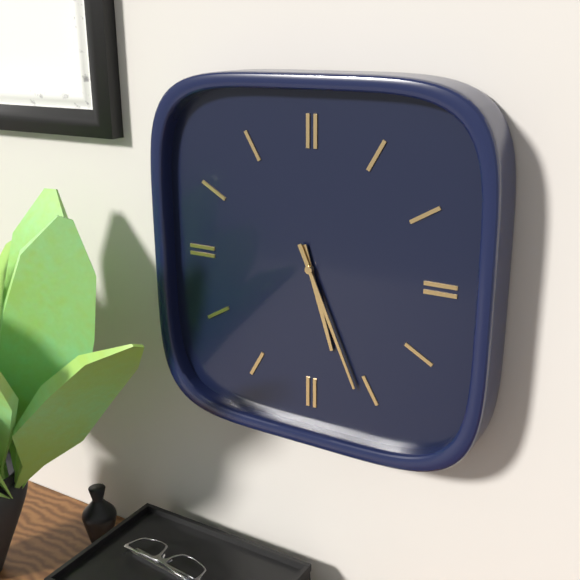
h=5 m=26
